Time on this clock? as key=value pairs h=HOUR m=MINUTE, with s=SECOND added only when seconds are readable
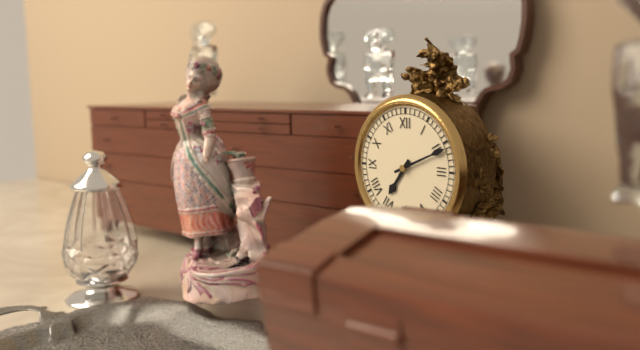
h=7 m=11
